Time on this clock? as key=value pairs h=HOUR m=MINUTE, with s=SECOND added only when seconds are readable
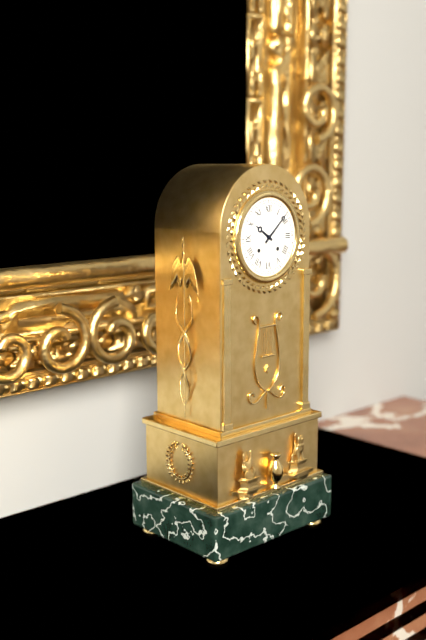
h=10 m=8
